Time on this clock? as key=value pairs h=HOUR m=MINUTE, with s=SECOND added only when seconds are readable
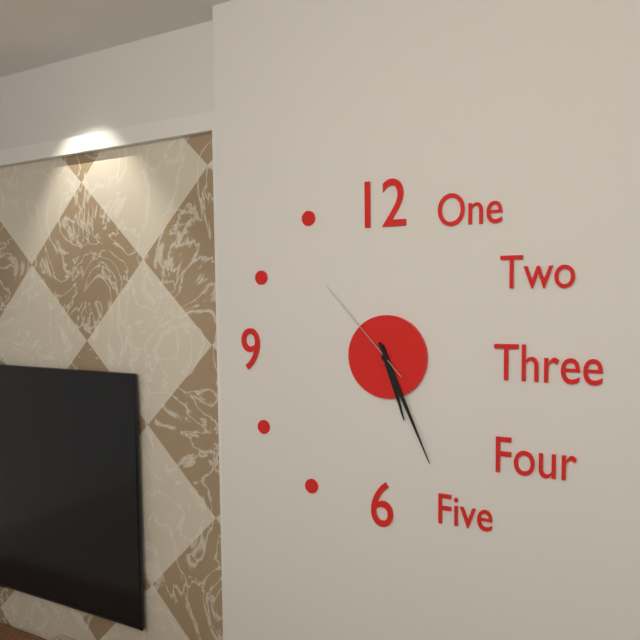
h=5 m=26 s=53
